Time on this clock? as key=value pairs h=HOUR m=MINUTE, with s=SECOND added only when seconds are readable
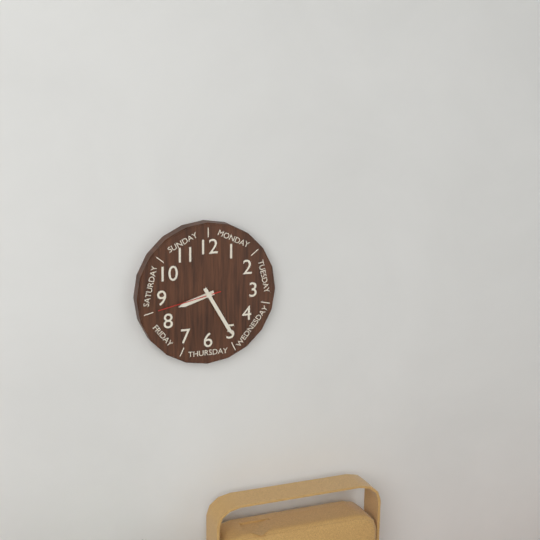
h=8 m=25 s=43
